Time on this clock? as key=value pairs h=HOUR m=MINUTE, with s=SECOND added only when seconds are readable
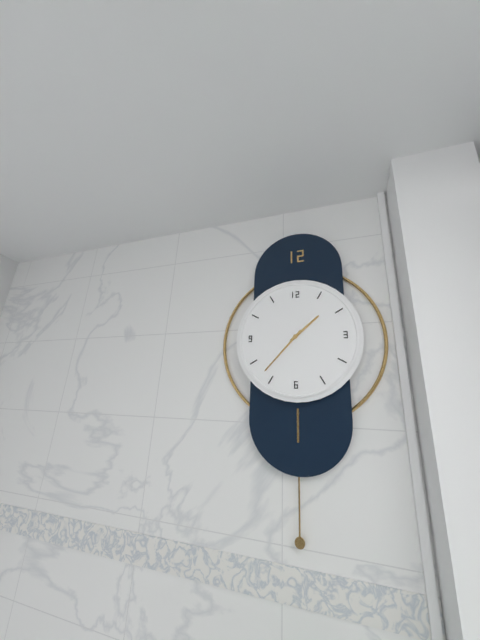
h=1 m=37
